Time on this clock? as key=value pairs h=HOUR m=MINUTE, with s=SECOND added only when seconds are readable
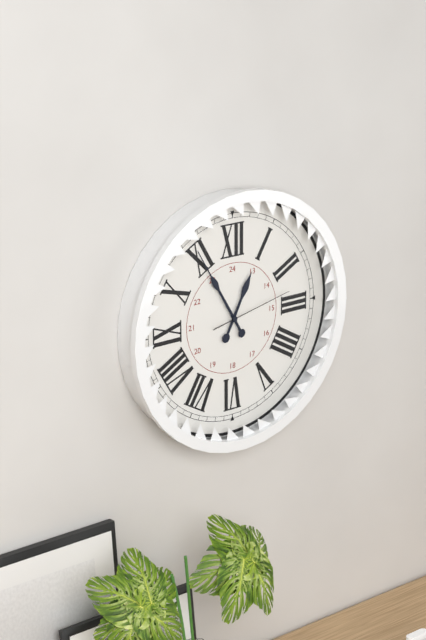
h=12 m=55 s=13
